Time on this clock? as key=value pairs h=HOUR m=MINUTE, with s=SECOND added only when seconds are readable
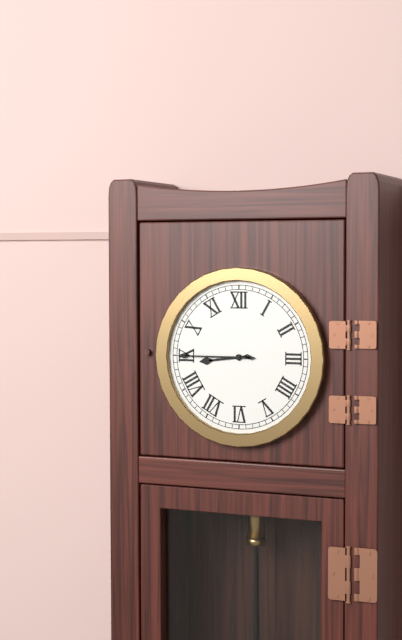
h=8 m=45
